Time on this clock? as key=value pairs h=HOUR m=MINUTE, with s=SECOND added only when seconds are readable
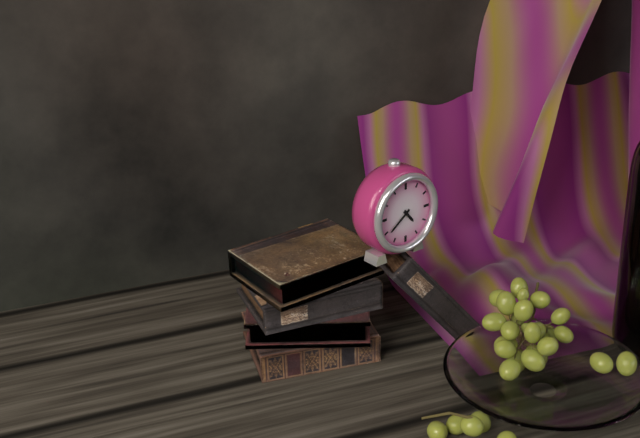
h=4 m=39
